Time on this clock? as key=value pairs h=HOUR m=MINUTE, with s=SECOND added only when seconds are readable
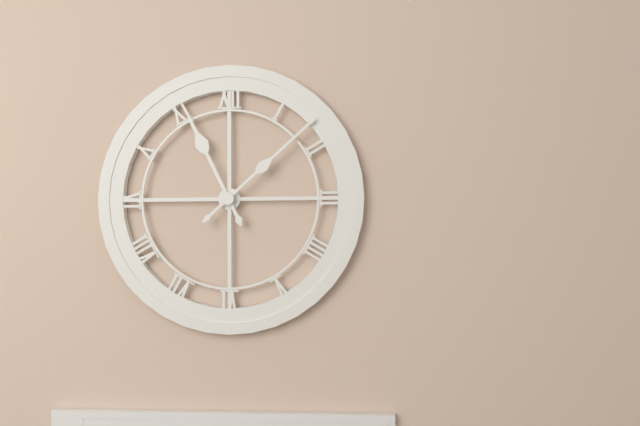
h=11 m=8
